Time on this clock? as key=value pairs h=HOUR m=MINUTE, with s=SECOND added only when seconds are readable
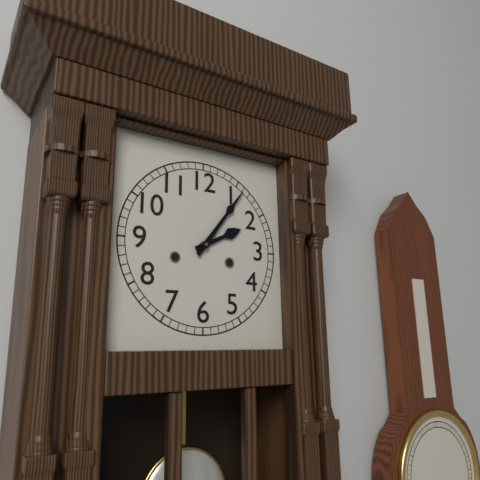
h=2 m=6
